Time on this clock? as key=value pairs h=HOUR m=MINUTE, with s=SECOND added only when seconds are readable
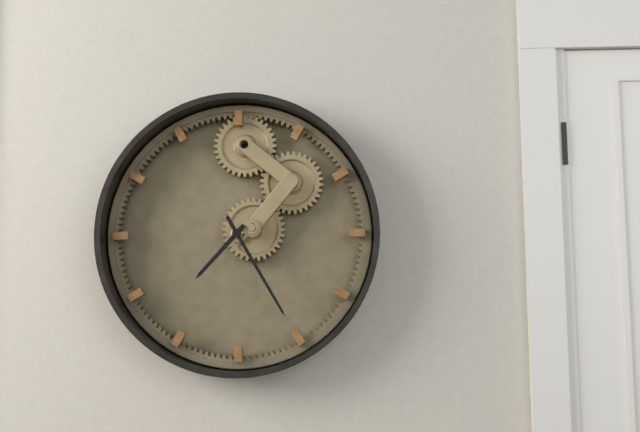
h=7 m=25
